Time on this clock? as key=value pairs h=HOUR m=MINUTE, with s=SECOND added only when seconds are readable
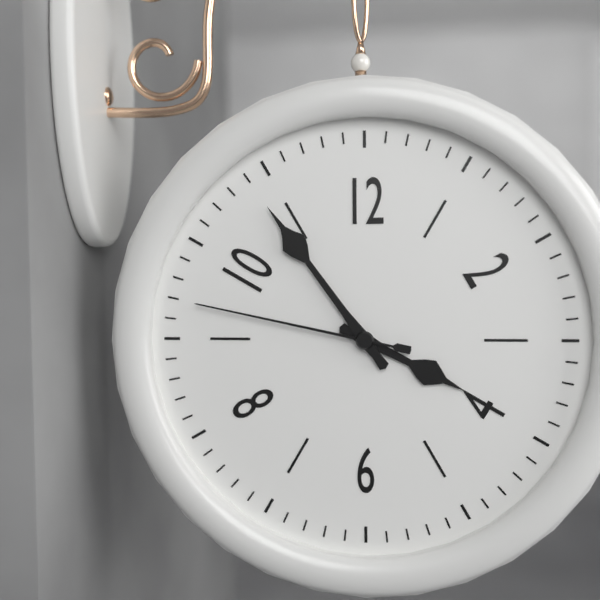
h=3 m=54 s=47
